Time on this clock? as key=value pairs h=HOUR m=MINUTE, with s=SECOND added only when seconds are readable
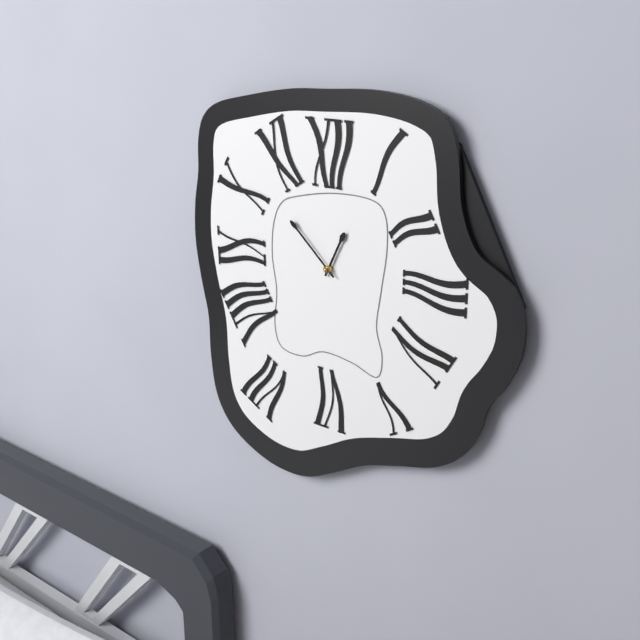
h=12 m=52
